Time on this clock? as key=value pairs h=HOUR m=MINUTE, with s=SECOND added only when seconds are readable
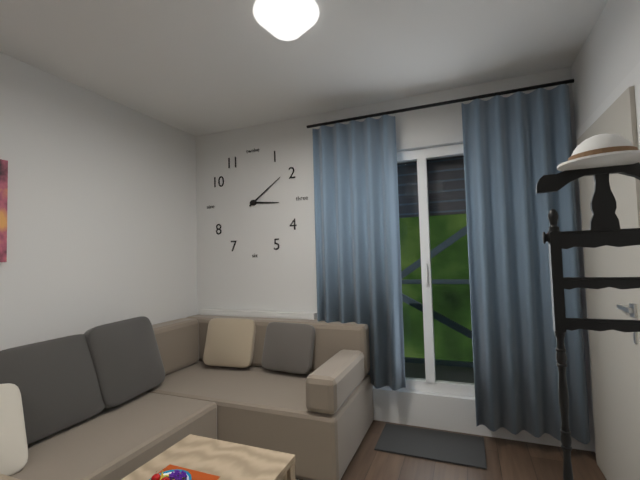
h=3 m=9
